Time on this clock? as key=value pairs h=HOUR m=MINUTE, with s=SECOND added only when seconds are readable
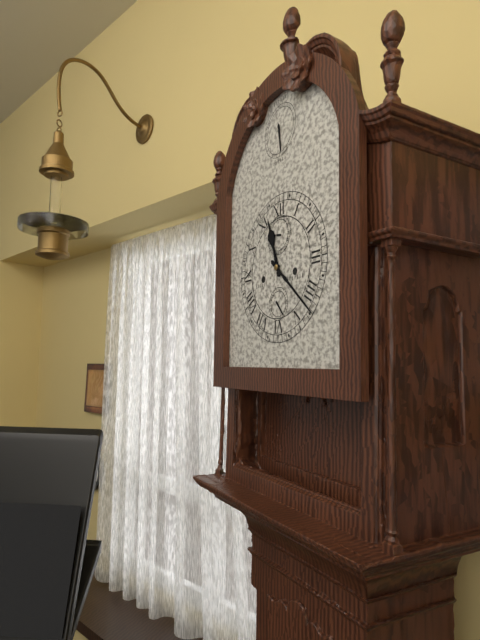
h=11 m=22
